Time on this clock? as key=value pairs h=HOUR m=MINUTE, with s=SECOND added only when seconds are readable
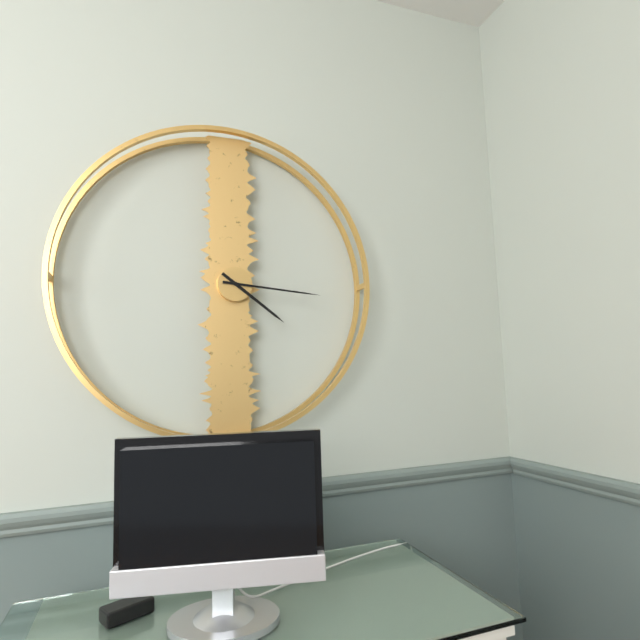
h=4 m=16
